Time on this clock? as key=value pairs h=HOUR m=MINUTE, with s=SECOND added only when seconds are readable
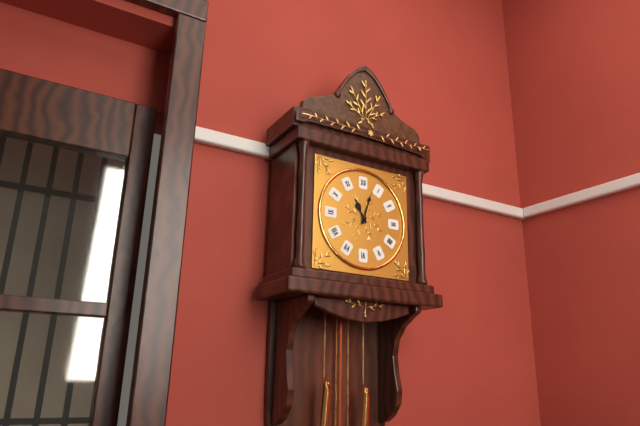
h=11 m=3
